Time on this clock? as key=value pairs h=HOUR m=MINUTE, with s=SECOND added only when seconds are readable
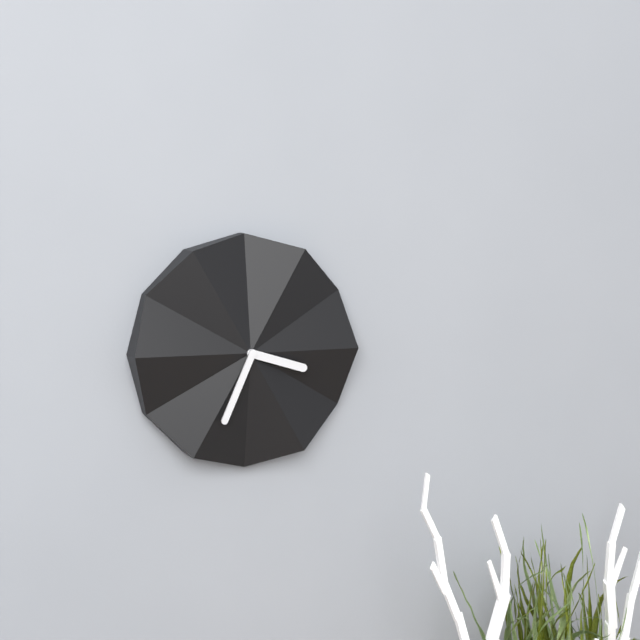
h=3 m=34
